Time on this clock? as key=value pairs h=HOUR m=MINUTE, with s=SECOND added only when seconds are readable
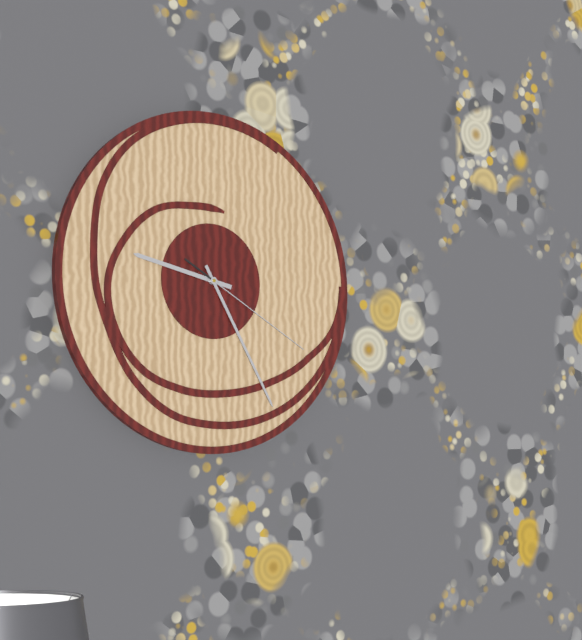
h=9 m=25 s=20
